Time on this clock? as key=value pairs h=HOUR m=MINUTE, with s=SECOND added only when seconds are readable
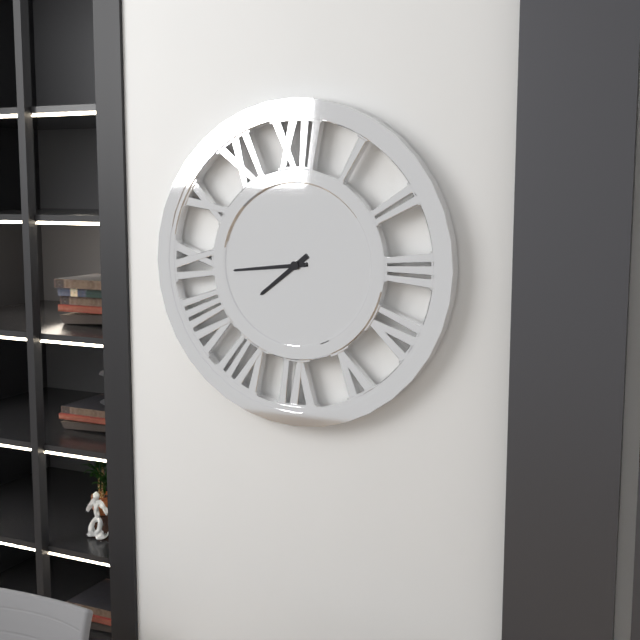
h=7 m=44
